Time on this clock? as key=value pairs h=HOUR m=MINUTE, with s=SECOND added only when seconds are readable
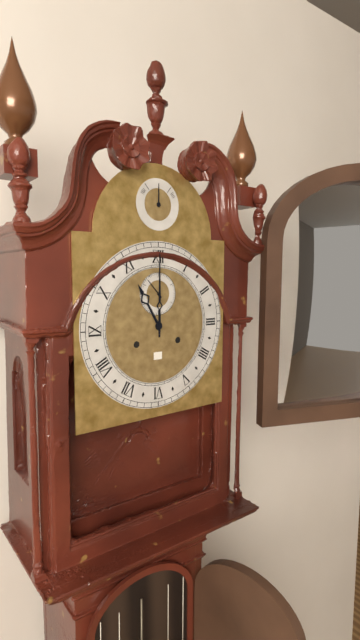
h=11 m=0
